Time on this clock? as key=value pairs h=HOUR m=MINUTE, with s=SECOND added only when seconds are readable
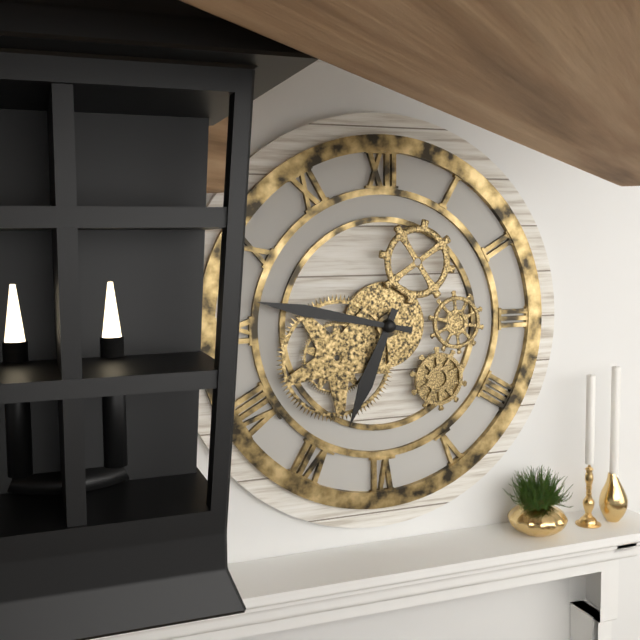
h=6 m=47
